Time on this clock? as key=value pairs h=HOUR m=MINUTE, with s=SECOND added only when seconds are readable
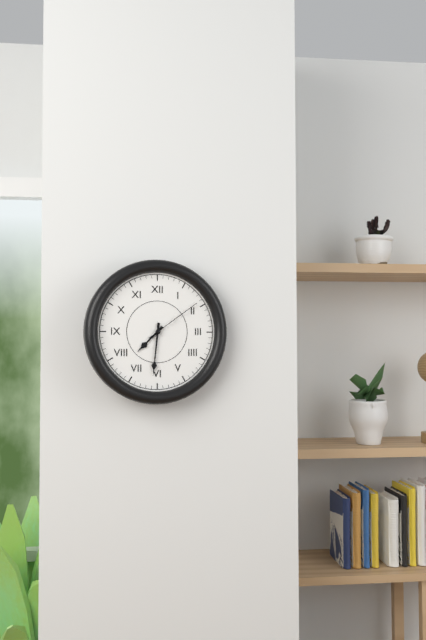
h=7 m=31 s=9
